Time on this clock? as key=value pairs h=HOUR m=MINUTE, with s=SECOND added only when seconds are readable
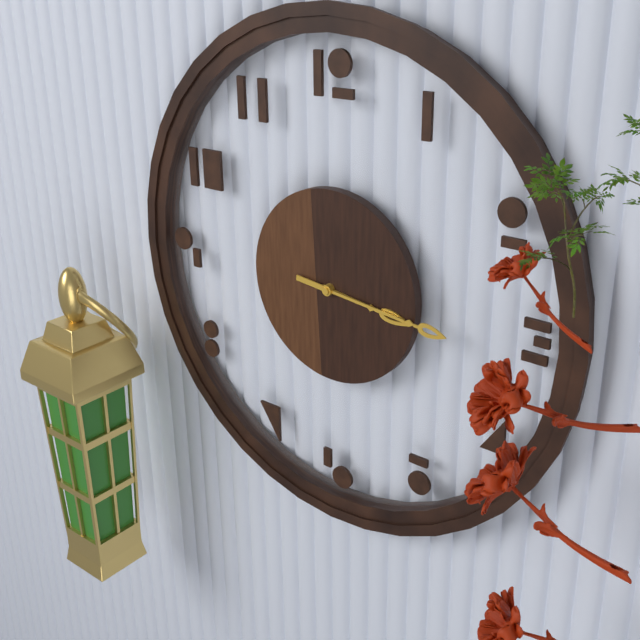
h=3 m=16
